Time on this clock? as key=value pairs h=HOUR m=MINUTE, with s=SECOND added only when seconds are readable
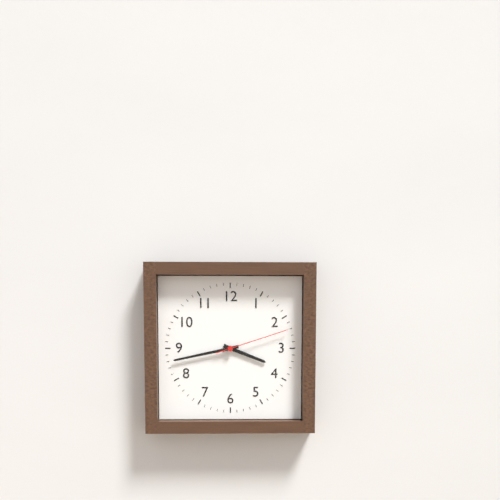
h=3 m=43 s=12
